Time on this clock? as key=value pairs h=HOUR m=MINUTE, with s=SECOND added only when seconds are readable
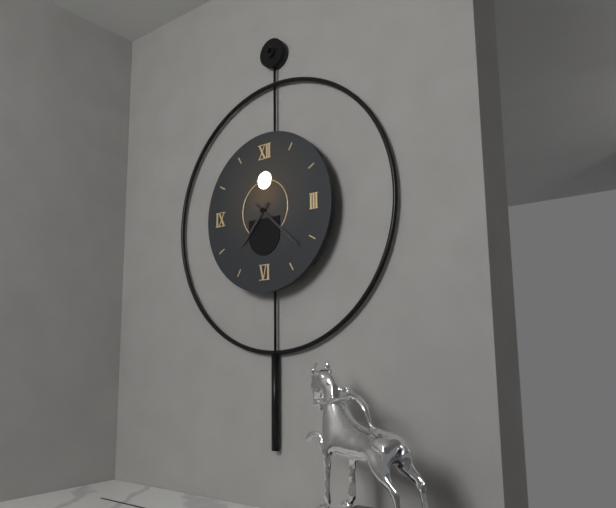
h=7 m=22
